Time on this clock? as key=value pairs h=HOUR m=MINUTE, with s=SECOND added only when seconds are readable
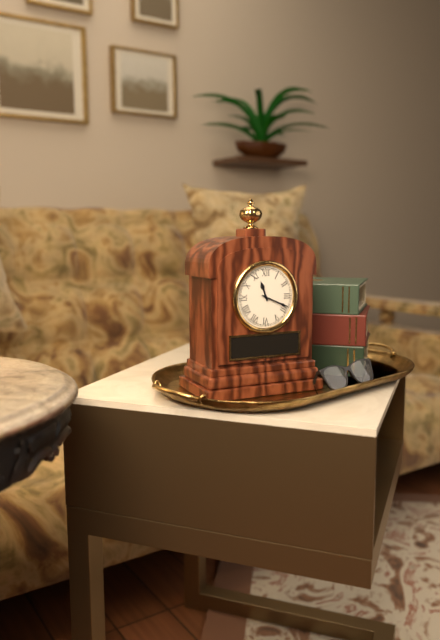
h=11 m=19
